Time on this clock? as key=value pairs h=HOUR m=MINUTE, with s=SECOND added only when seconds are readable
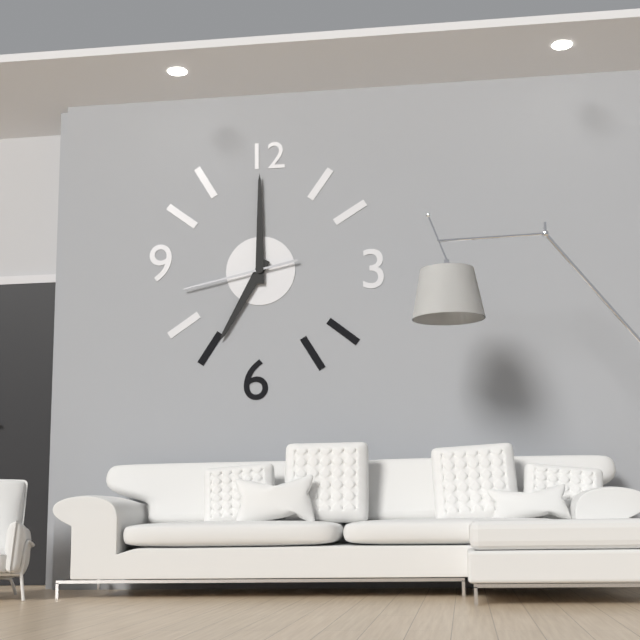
h=7 m=0 s=43
